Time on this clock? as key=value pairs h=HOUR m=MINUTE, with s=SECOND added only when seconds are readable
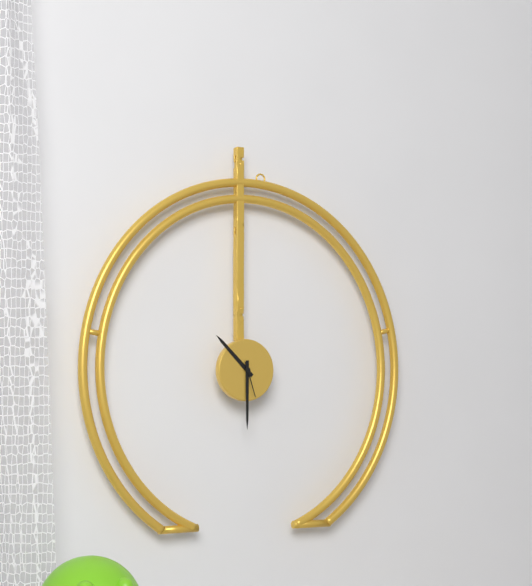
h=10 m=30
